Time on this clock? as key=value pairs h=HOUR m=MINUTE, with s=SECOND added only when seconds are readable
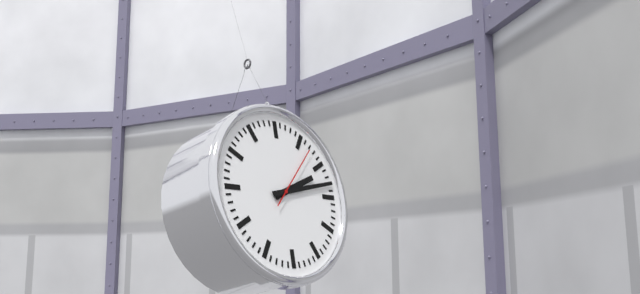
h=2 m=13 s=7
